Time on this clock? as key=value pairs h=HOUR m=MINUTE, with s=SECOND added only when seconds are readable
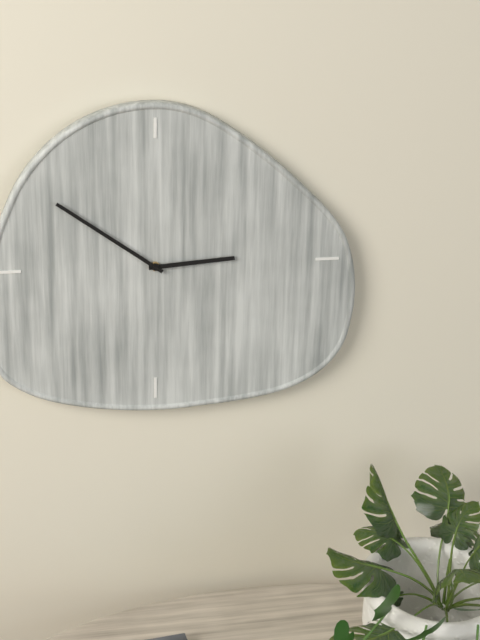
h=2 m=51
